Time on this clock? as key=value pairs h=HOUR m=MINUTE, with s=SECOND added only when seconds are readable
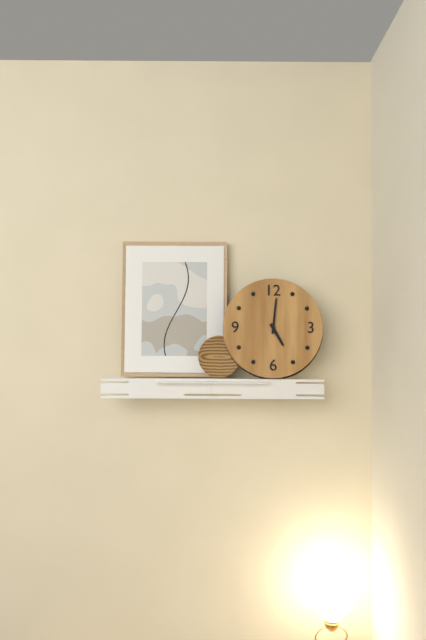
h=5 m=1
